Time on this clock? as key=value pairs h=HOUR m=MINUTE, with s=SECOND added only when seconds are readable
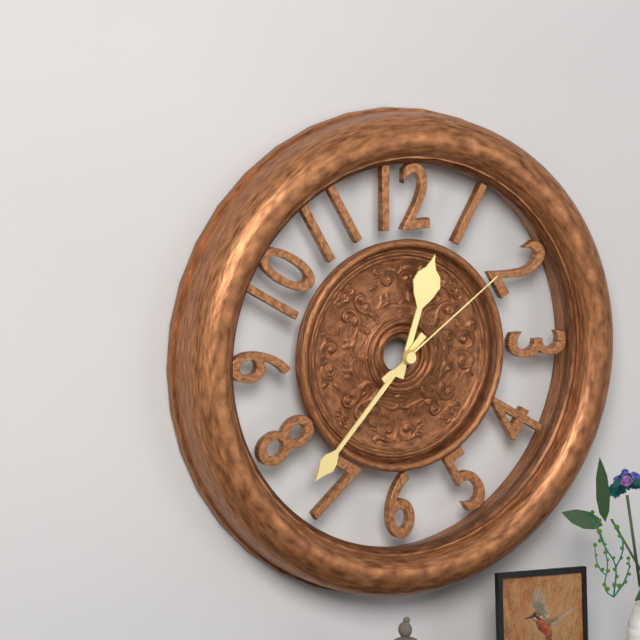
h=12 m=37 s=9
